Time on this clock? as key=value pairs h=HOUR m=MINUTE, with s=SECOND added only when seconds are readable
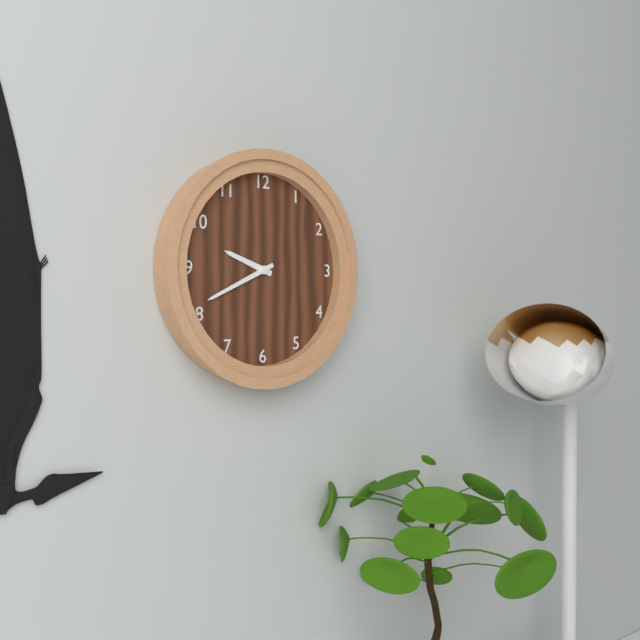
h=9 m=41
